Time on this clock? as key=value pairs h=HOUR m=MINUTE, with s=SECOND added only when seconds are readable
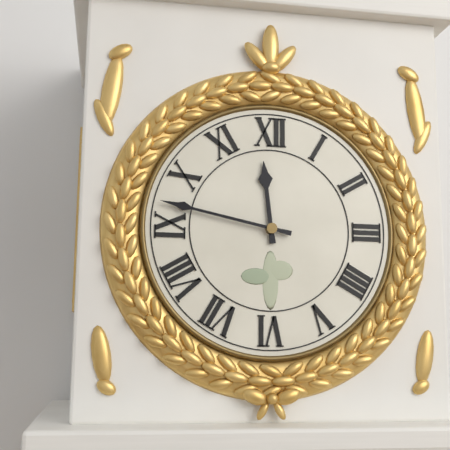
h=11 m=47
